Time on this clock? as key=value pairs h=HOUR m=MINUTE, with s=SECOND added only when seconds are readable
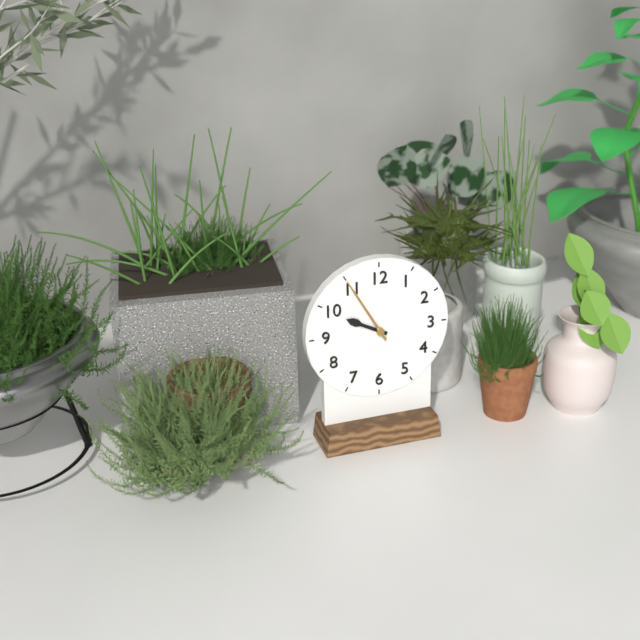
h=9 m=55
